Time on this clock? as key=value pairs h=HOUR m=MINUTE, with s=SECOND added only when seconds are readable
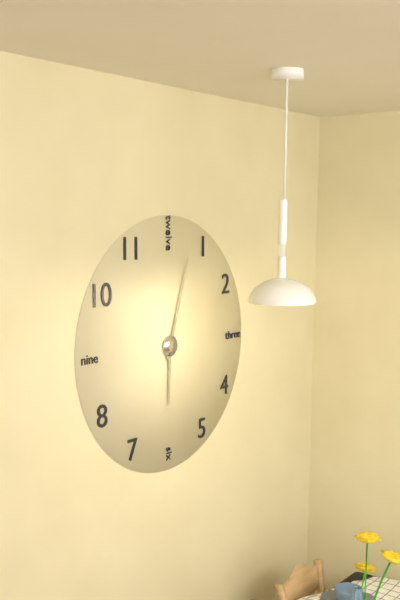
h=6 m=3
